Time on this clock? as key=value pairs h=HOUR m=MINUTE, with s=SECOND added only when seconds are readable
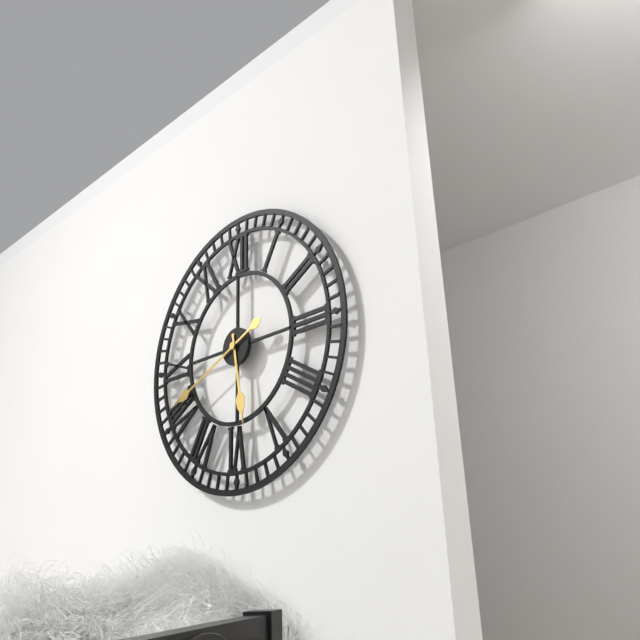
h=5 m=41
